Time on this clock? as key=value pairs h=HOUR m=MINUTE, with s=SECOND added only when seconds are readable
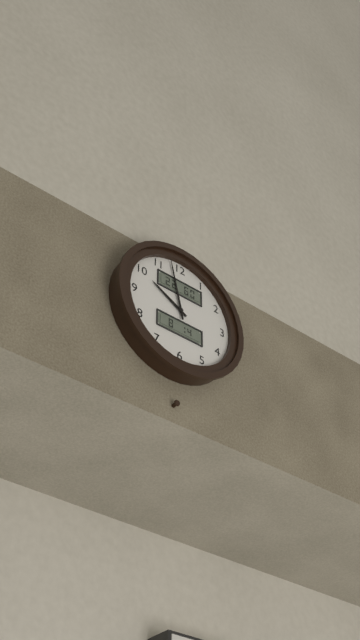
h=9 m=58
